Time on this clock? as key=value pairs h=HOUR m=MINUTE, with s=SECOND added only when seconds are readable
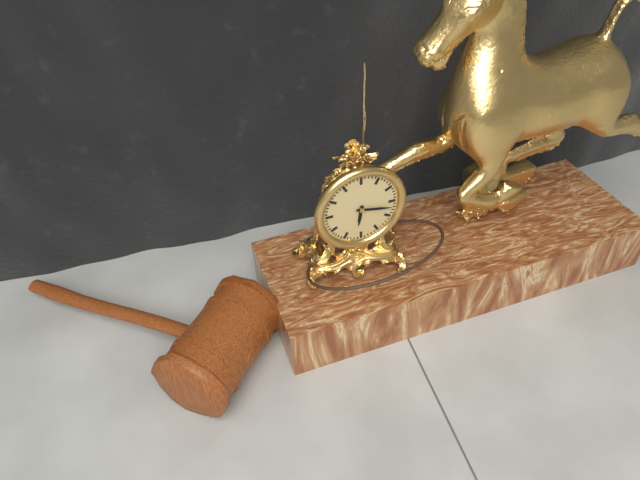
h=6 m=17
